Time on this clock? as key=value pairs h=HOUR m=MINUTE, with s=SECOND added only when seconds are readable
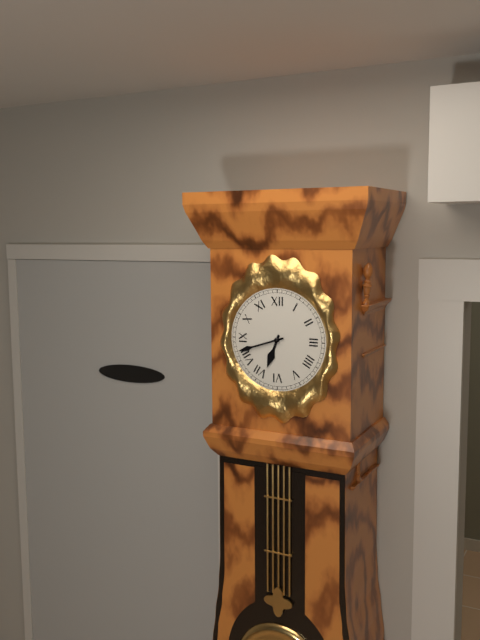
h=6 m=42
